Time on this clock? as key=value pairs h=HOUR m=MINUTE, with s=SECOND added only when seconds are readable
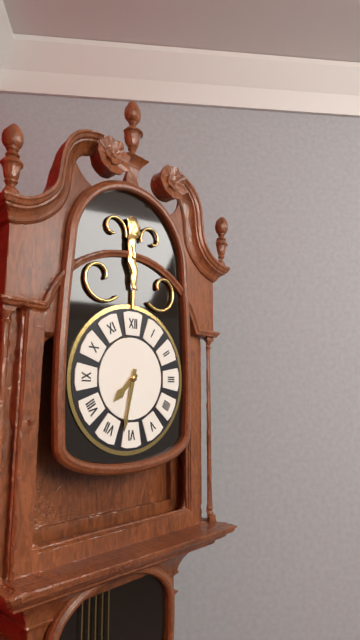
h=7 m=32
